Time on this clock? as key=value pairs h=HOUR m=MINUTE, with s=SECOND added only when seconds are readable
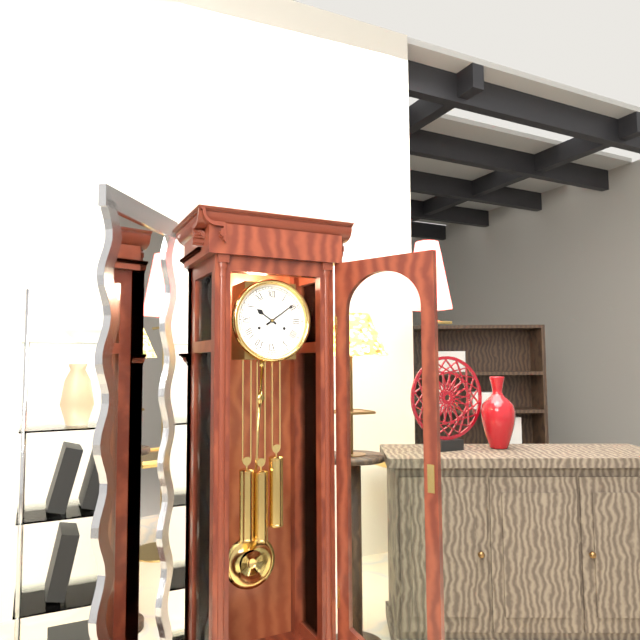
h=10 m=9
